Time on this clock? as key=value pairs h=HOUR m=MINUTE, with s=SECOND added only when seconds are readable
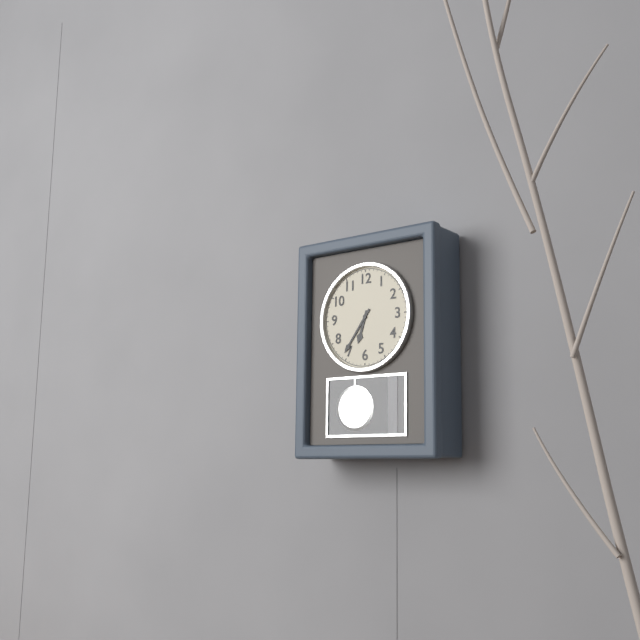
h=6 m=36
